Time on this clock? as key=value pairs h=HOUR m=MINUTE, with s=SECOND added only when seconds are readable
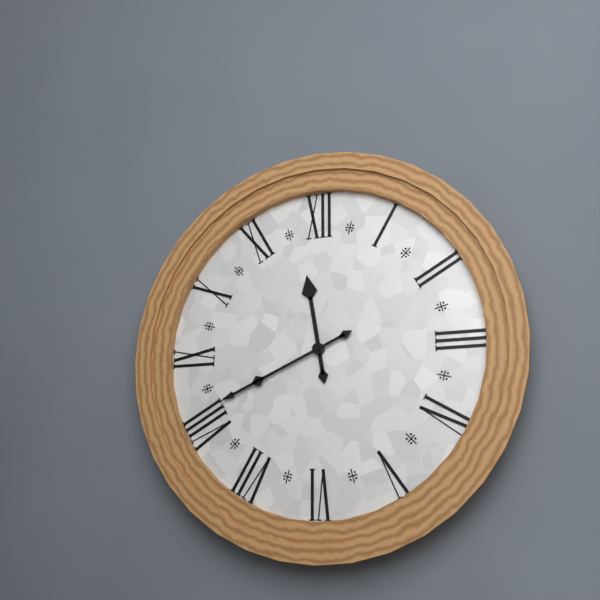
h=11 m=41
